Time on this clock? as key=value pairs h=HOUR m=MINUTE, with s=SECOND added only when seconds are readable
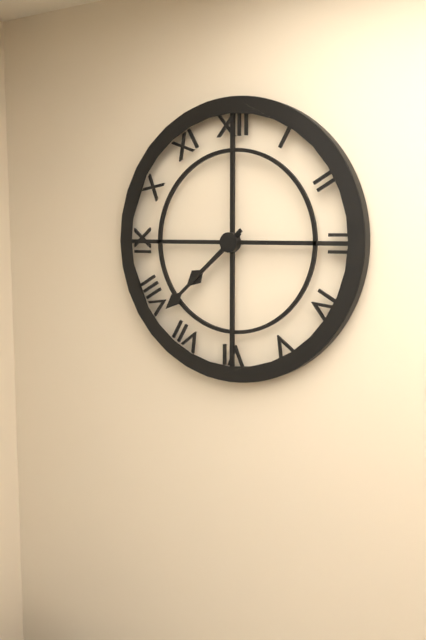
h=7 m=38
